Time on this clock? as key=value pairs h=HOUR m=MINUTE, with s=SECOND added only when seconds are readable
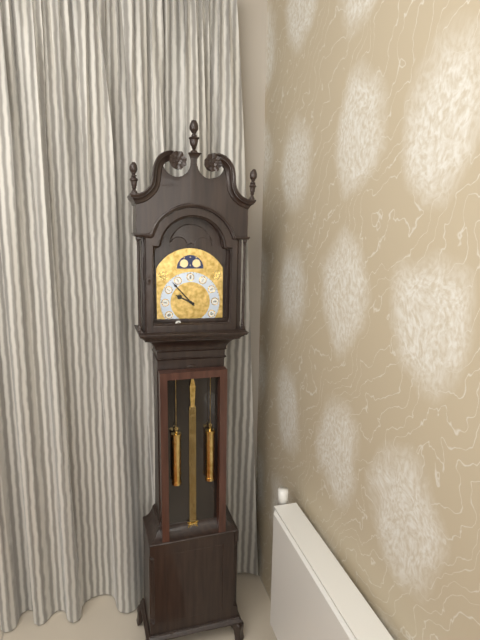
h=9 m=53
